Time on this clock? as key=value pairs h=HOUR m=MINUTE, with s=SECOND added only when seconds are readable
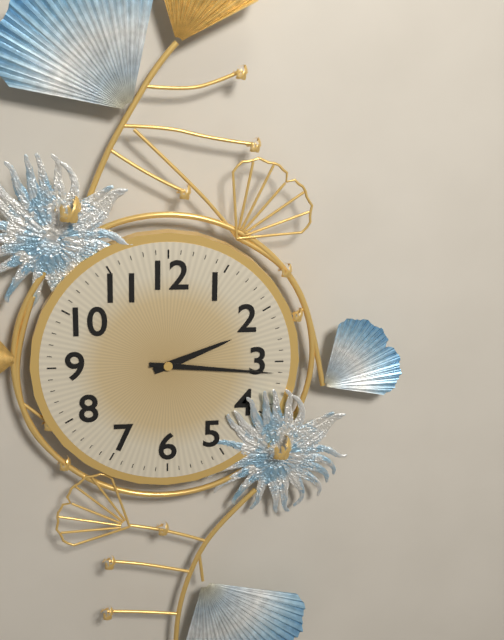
h=2 m=16
